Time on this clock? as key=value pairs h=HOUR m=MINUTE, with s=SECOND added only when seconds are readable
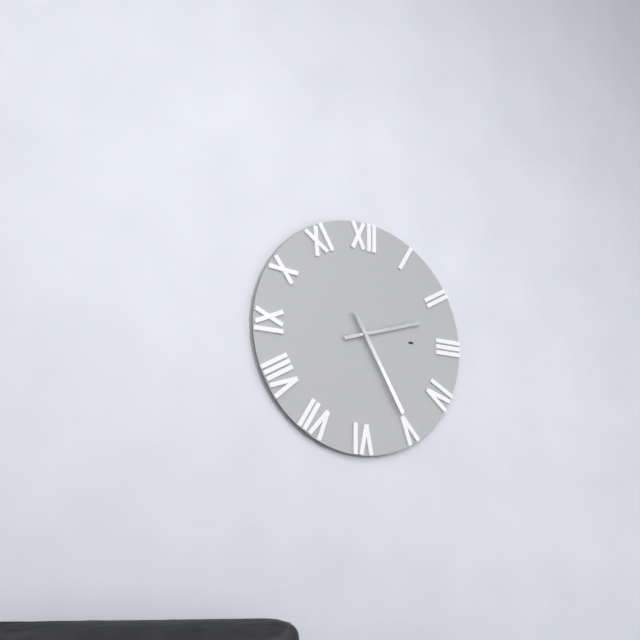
h=2 m=25
